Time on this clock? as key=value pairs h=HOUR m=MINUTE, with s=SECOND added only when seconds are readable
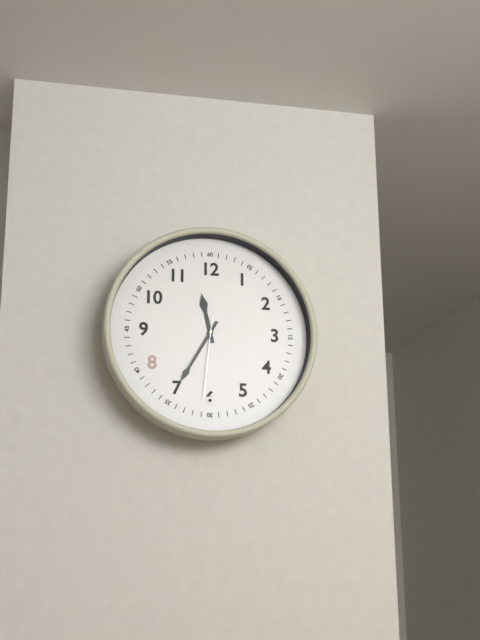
h=11 m=35 s=31
